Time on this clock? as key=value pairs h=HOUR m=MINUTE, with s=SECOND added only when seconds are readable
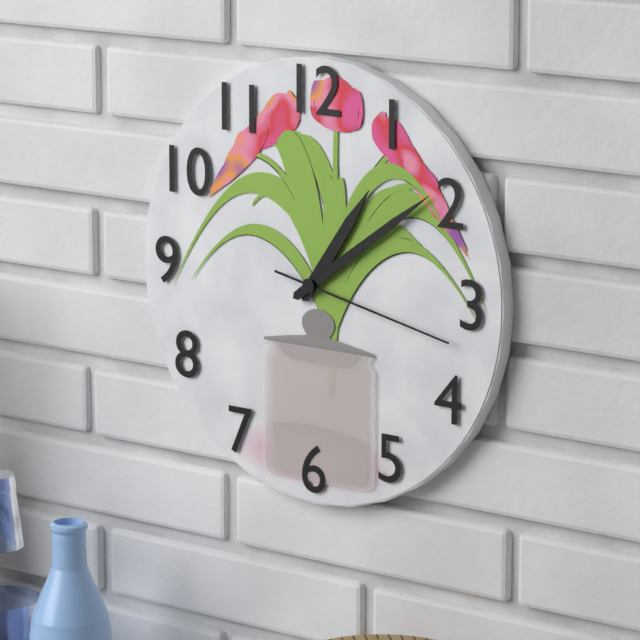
h=1 m=9 s=17
